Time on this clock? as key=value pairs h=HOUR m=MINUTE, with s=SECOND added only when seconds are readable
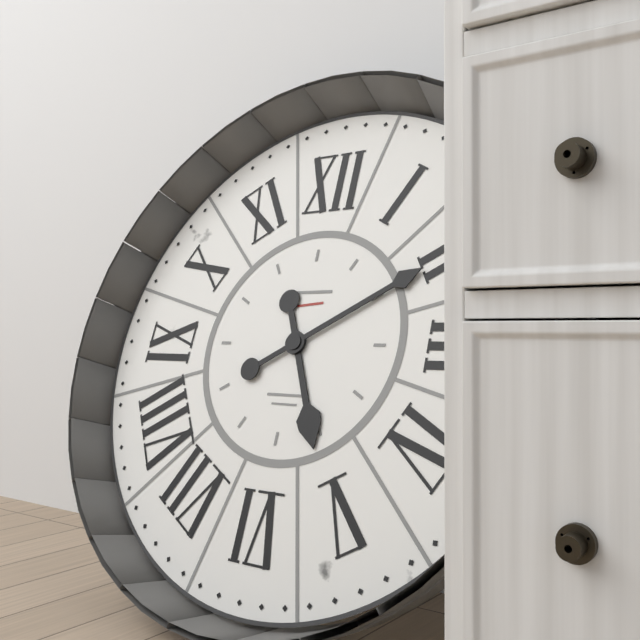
h=5 m=10
